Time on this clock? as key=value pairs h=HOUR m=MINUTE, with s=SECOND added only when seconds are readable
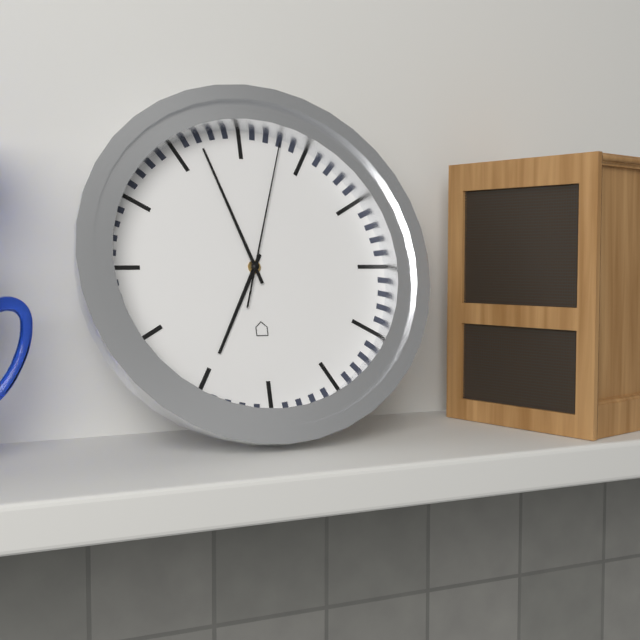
h=6 m=57 s=3
